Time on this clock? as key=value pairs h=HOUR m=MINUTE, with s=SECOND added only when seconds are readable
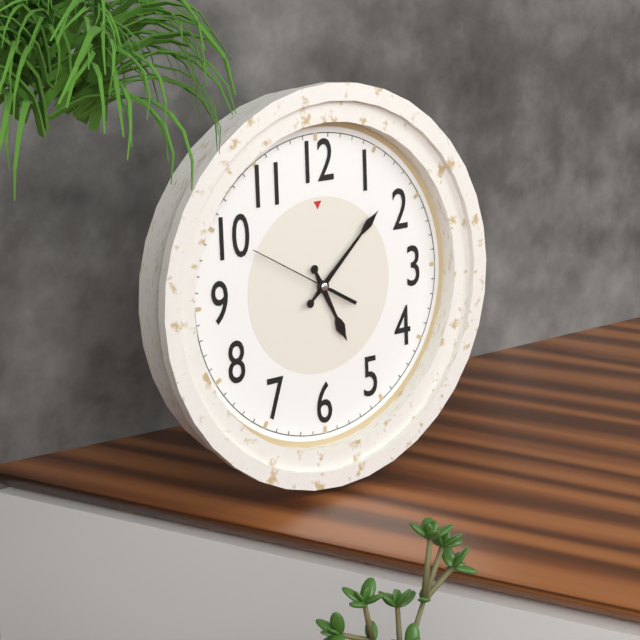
h=5 m=8 s=50
